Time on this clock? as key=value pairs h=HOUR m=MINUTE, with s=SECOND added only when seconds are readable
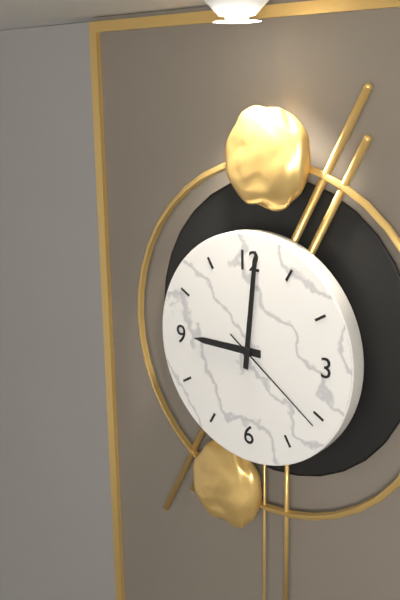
h=9 m=1 s=21
